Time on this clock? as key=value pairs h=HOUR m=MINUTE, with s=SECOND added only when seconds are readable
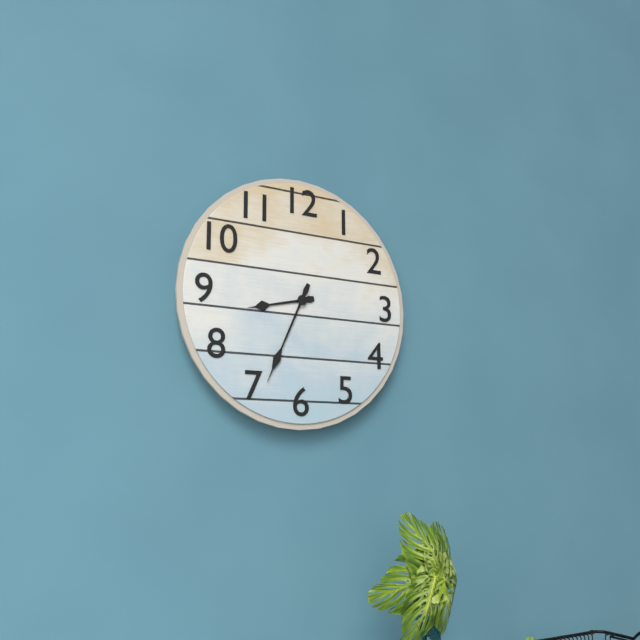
h=8 m=34
